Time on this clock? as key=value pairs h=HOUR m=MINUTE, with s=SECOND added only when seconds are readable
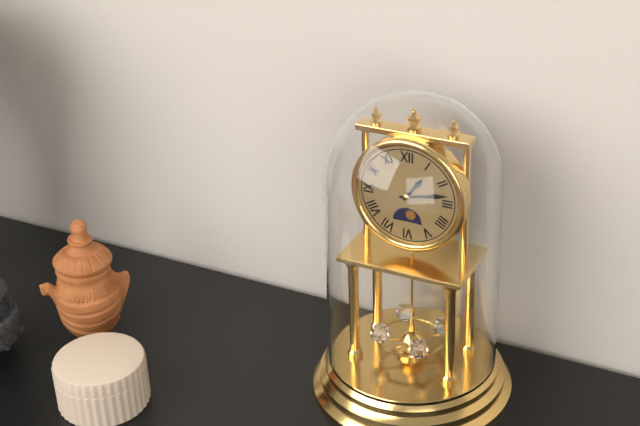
h=1 m=13
